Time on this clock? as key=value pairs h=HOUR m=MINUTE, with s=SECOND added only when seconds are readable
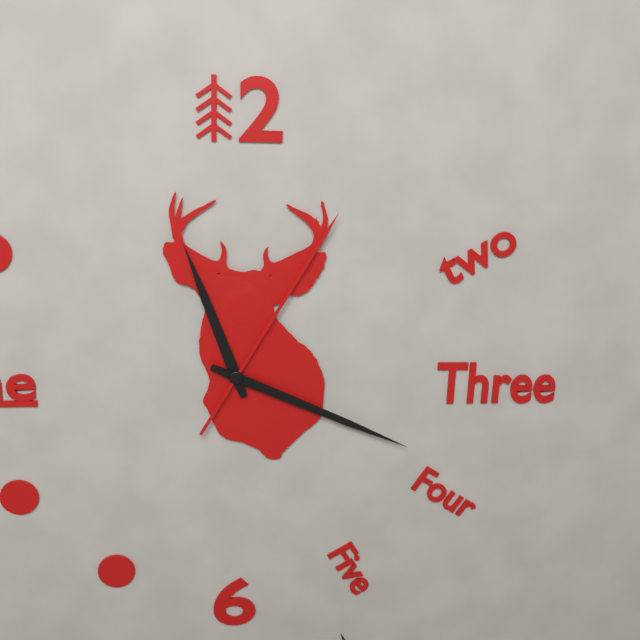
h=11 m=19 s=5
